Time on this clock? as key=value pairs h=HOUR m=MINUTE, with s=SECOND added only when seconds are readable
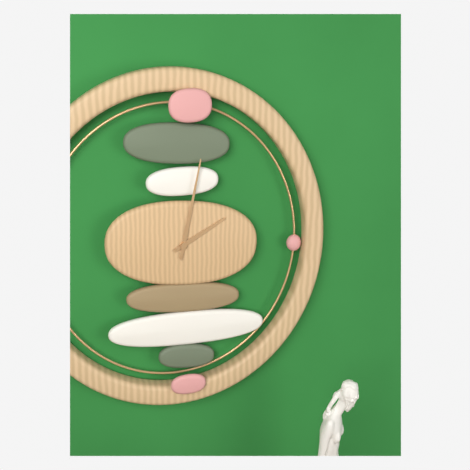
h=2 m=2
